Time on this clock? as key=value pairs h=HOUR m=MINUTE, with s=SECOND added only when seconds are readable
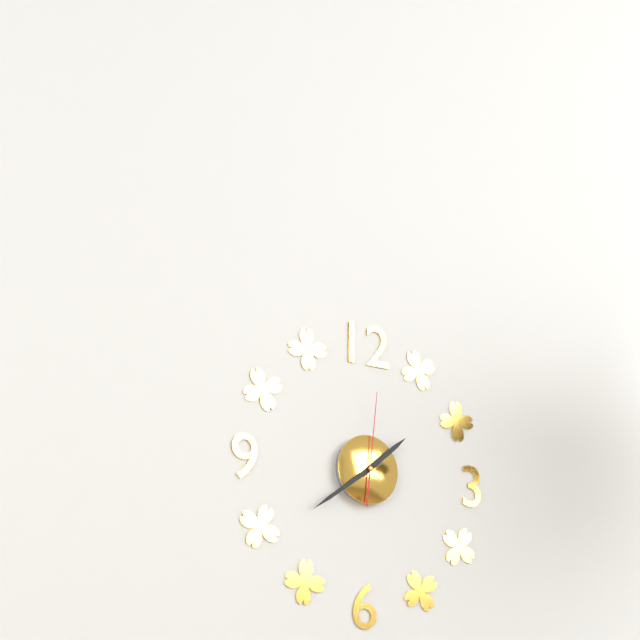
h=1 m=39 s=1
